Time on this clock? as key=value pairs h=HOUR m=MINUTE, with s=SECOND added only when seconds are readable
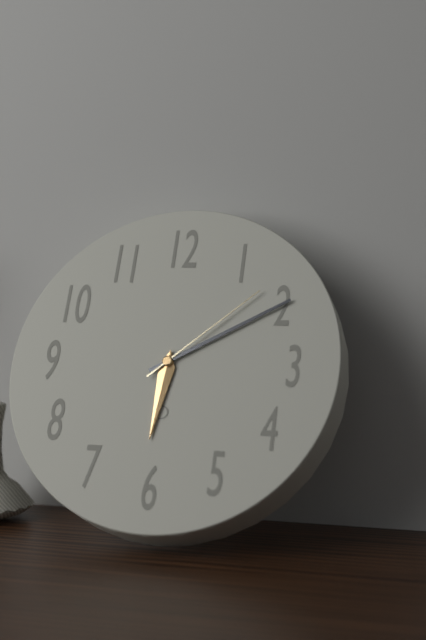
h=6 m=10 s=8
